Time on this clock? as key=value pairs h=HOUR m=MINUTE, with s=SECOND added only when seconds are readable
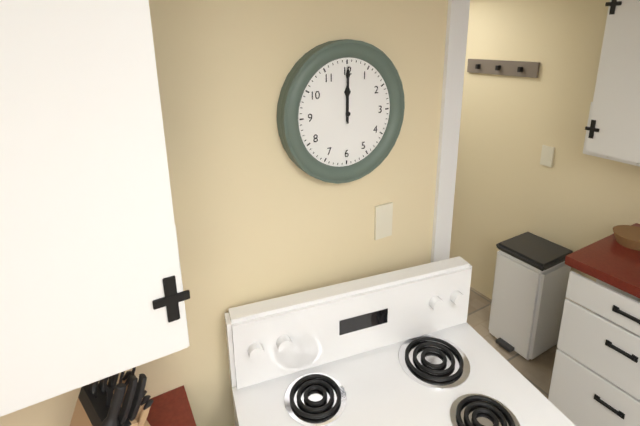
h=12 m=0
